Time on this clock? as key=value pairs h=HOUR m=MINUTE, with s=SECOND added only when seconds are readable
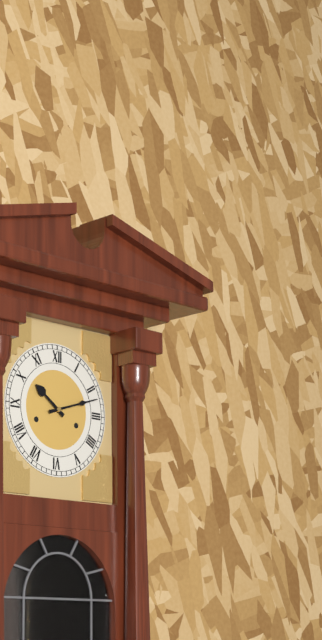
h=10 m=12
